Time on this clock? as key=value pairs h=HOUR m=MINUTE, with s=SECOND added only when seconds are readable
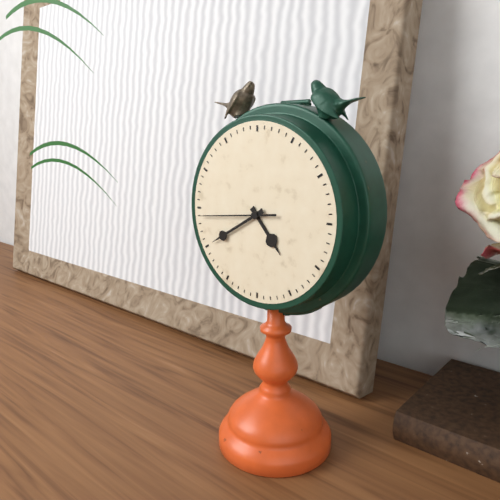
h=4 m=40 s=44
